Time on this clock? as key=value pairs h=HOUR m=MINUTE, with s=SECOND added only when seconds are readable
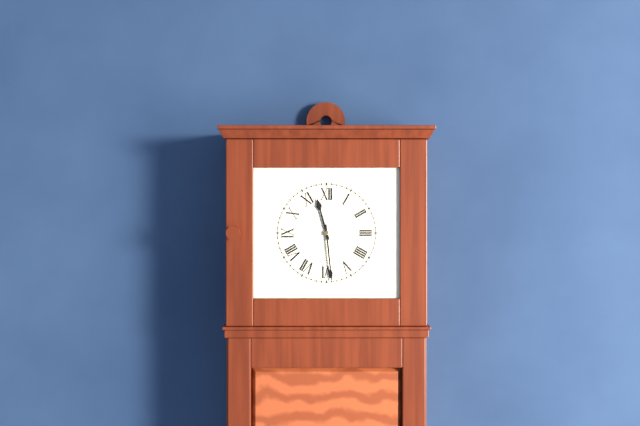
h=11 m=29
